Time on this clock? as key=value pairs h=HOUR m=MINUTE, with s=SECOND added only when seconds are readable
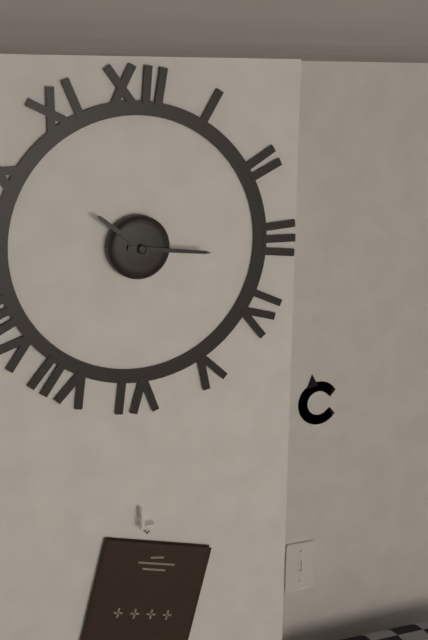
h=10 m=16
